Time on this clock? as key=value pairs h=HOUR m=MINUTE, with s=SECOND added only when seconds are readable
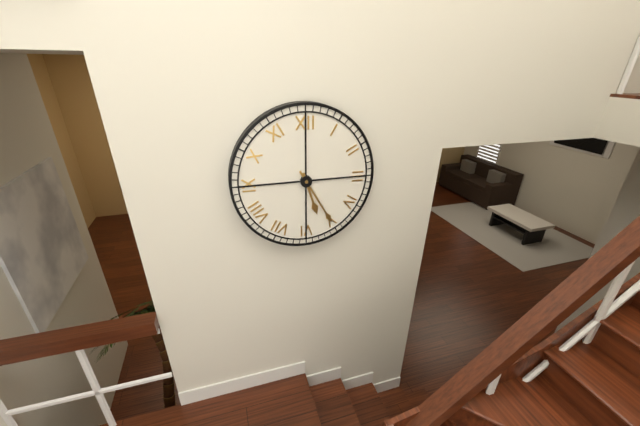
h=5 m=25
